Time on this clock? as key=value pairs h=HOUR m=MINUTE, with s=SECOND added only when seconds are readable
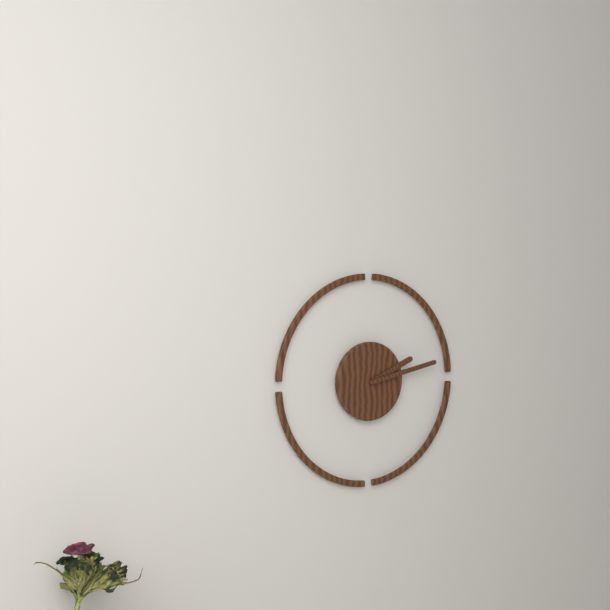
h=2 m=13
